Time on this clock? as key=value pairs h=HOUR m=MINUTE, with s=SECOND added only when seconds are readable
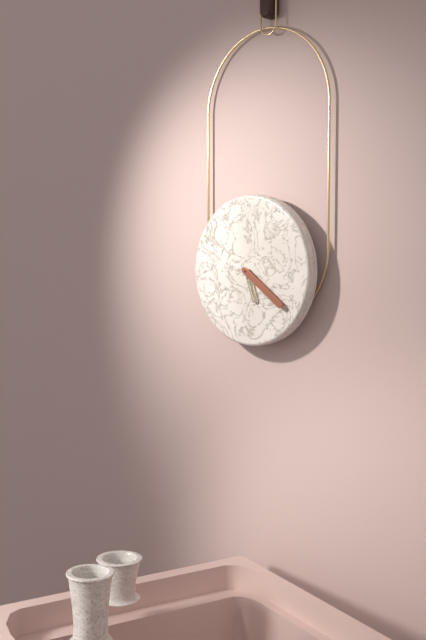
h=5 m=21
